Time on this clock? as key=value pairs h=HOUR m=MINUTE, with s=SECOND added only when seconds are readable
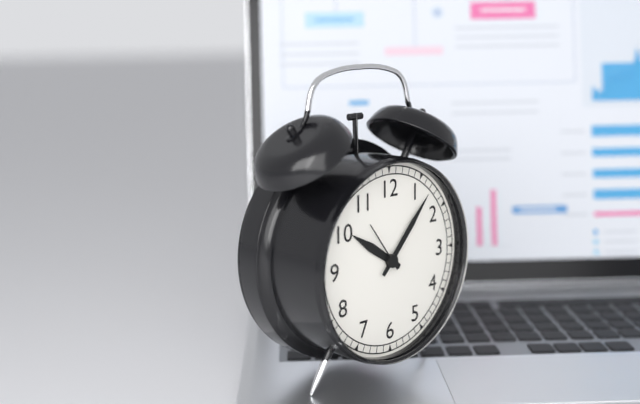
h=10 m=7 s=54
